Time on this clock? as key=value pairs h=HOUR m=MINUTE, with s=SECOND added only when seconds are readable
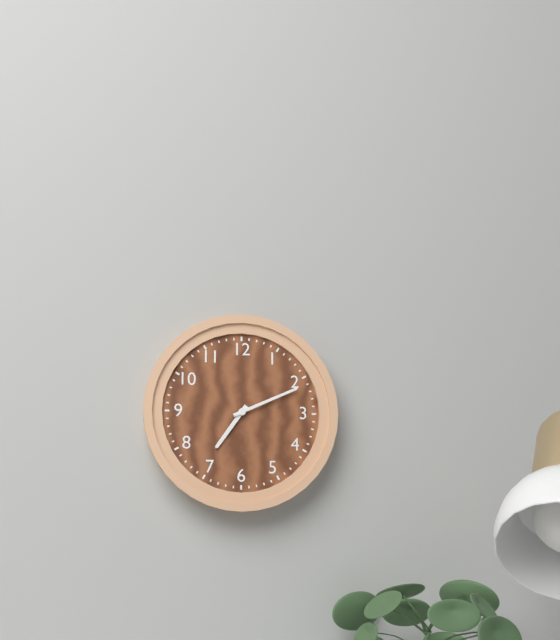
h=7 m=11
